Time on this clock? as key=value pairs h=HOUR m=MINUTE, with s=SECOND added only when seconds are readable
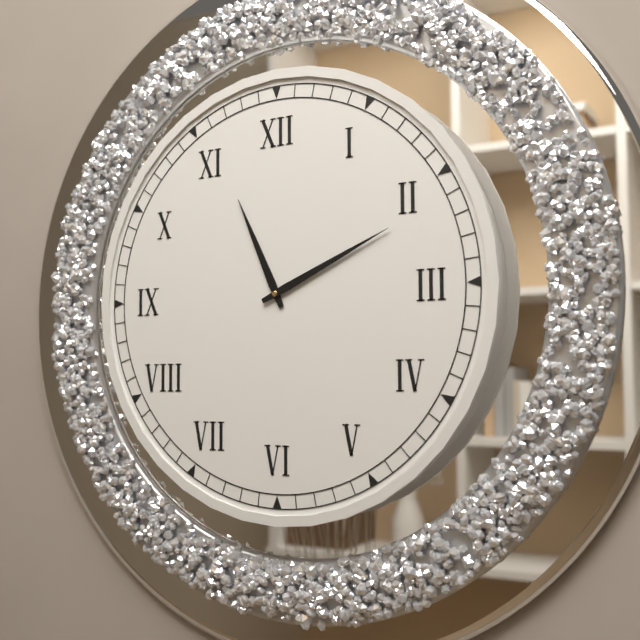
h=11 m=11
